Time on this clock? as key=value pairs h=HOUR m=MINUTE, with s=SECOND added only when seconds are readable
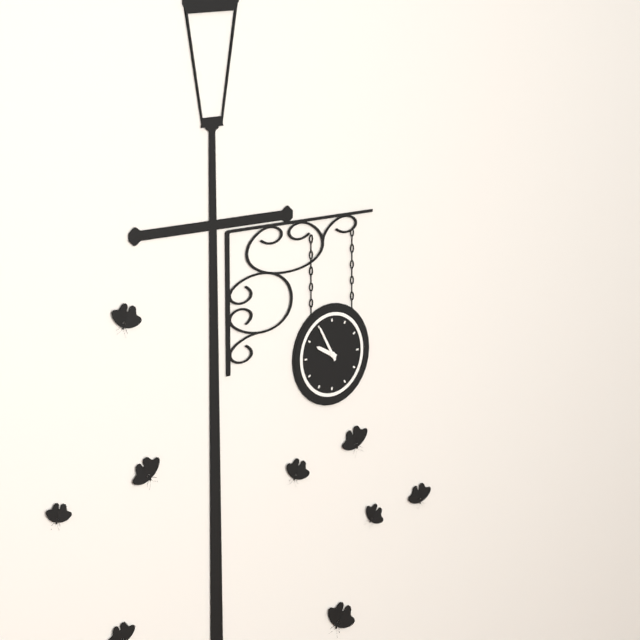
h=9 m=55
